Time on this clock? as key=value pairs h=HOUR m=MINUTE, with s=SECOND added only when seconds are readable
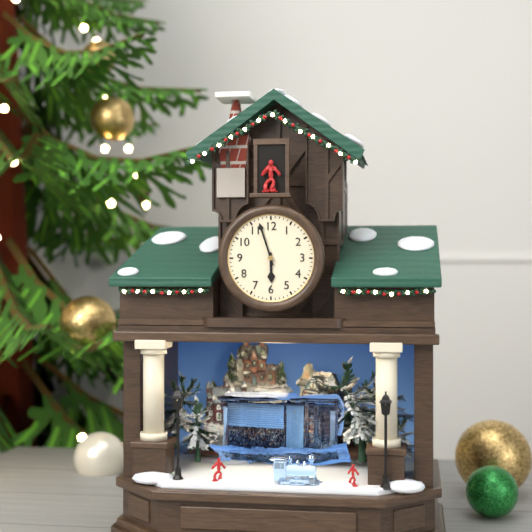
h=5 m=57
